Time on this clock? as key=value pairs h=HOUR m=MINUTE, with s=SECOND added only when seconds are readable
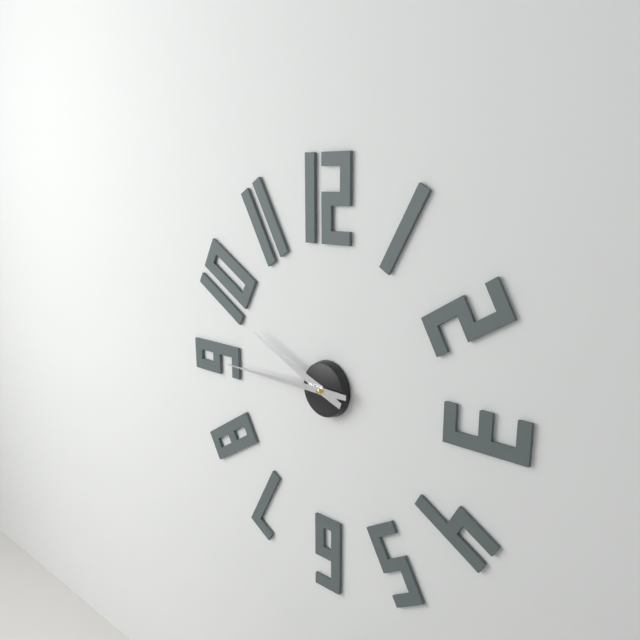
h=9 m=45
